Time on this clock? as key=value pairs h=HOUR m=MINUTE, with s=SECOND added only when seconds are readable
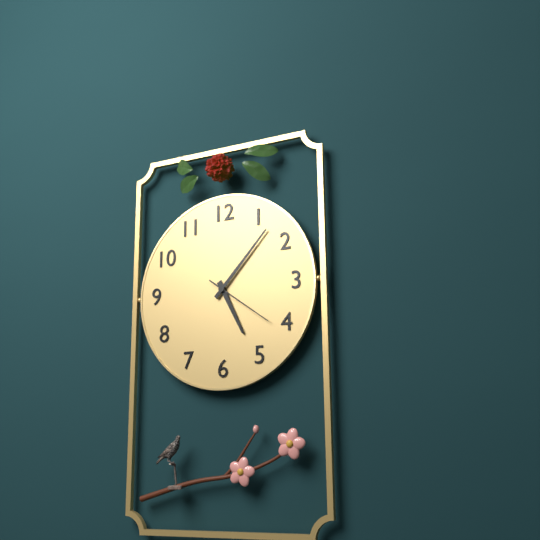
h=5 m=7 s=21
